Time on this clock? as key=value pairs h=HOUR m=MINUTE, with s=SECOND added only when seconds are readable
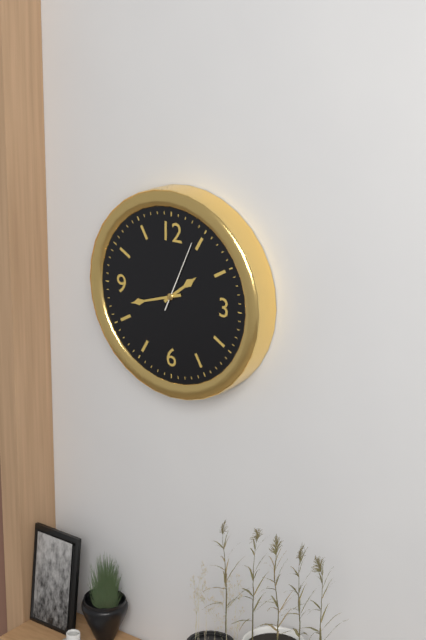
h=1 m=42 s=4
